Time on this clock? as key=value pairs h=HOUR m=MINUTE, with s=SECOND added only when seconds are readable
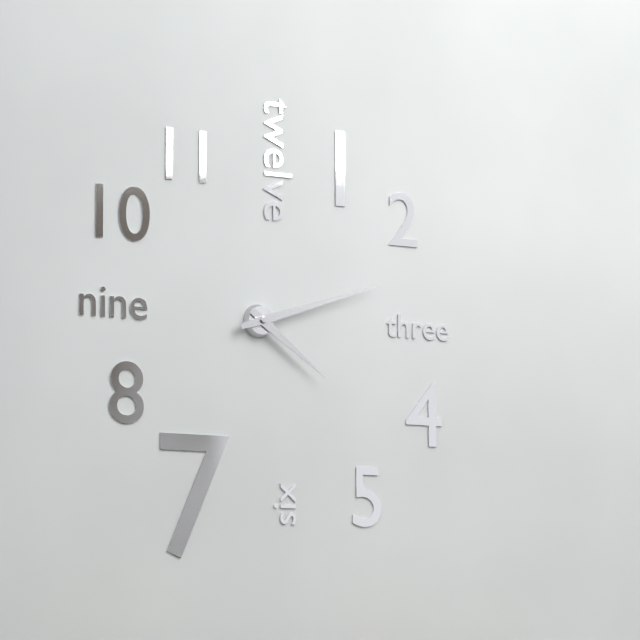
h=4 m=12
